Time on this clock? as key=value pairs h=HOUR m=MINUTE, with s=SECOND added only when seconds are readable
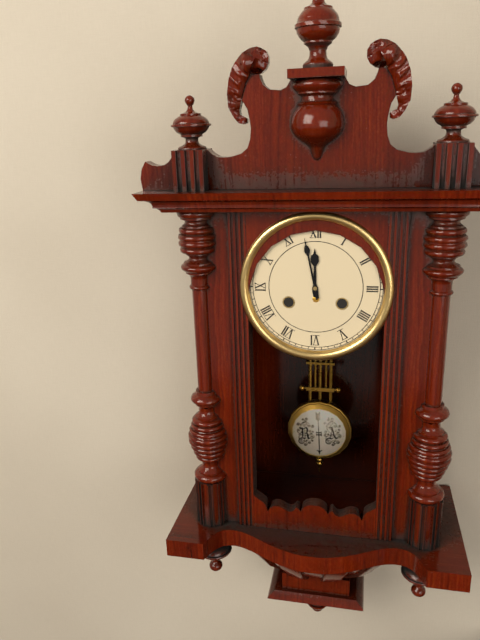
h=11 m=58
